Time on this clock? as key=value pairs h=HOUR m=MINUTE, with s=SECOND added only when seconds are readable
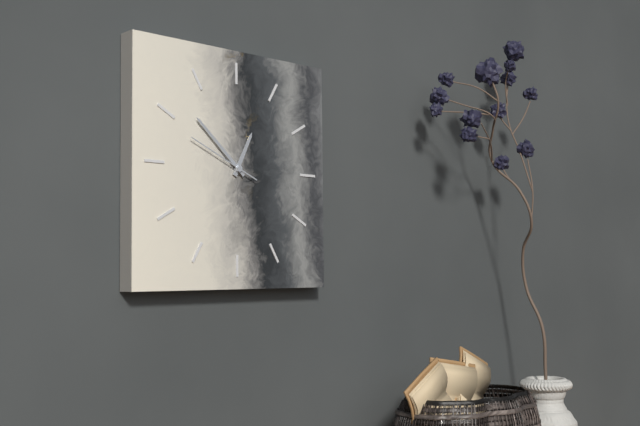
h=12 m=52 s=49
